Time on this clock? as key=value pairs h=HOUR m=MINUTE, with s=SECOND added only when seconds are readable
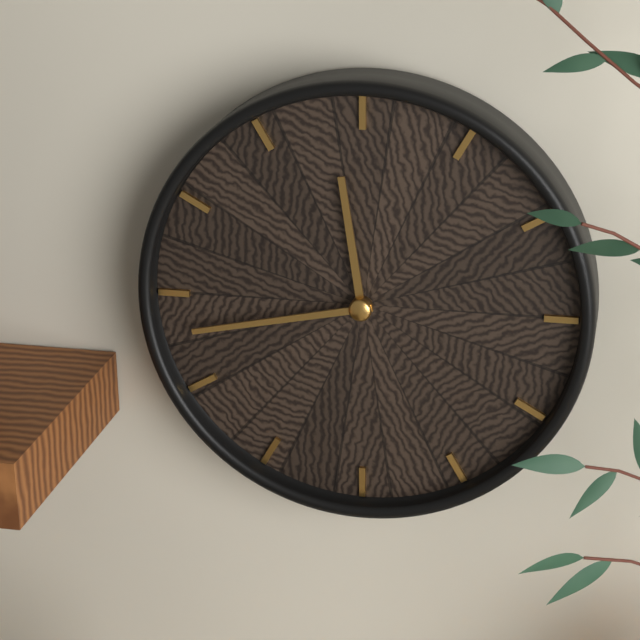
h=11 m=43
